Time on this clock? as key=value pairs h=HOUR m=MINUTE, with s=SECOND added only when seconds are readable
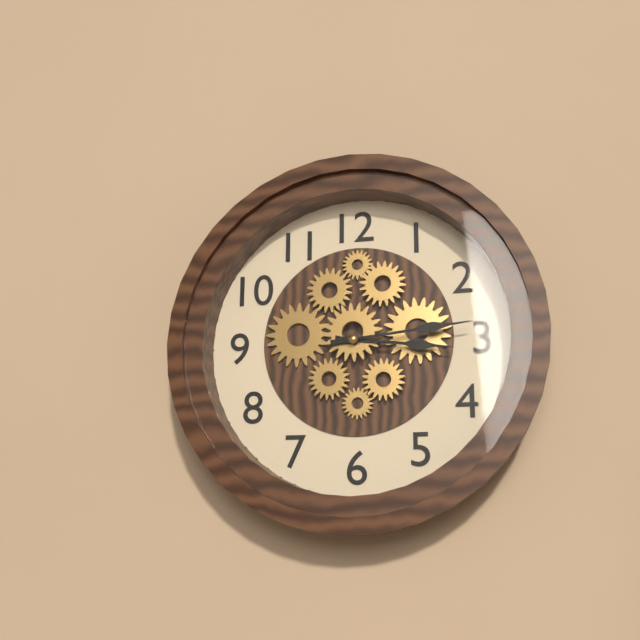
h=3 m=14
